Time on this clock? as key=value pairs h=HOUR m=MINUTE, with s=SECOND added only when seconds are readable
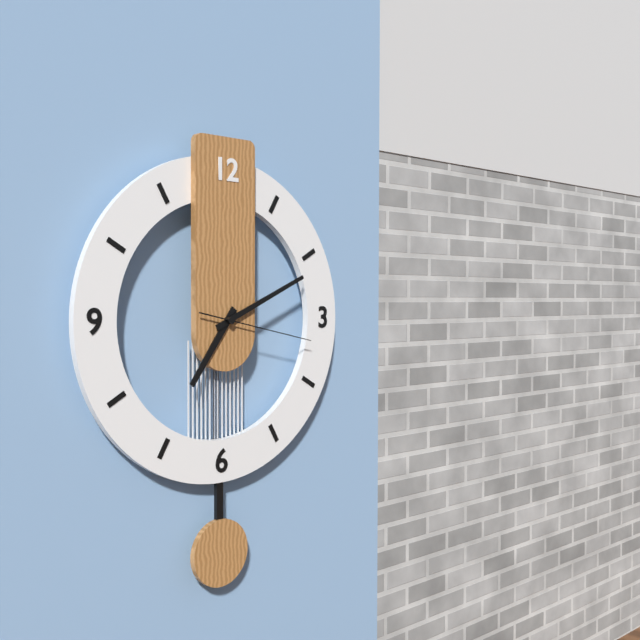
h=7 m=11 s=17
